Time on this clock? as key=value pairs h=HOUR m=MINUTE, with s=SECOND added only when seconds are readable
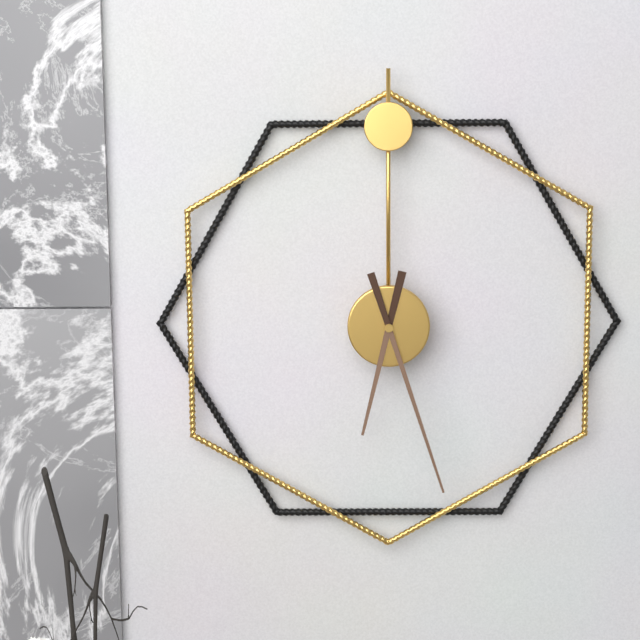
h=6 m=27
